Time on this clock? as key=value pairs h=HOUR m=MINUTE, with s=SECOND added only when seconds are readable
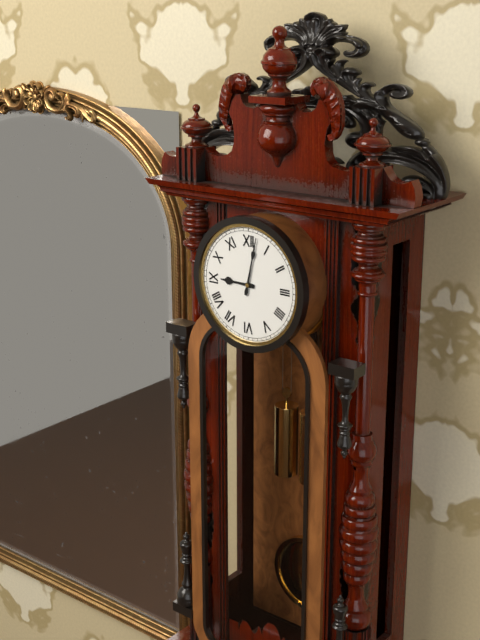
h=9 m=2
